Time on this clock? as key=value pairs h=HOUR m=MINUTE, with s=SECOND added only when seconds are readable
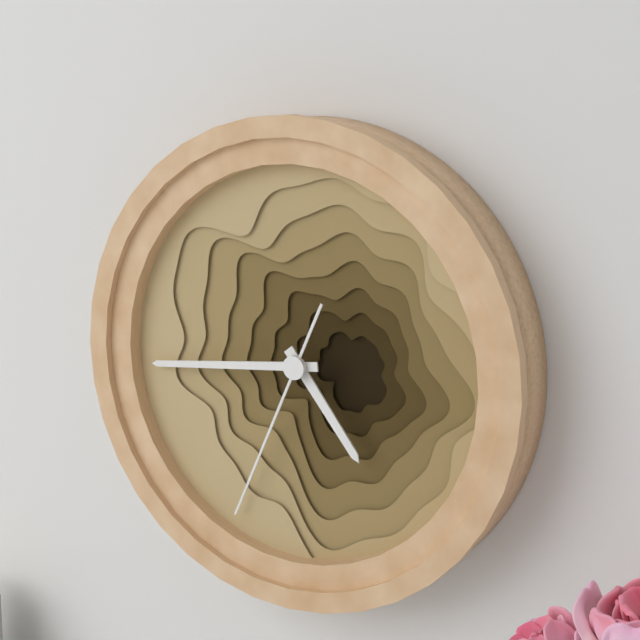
h=4 m=44 s=34
